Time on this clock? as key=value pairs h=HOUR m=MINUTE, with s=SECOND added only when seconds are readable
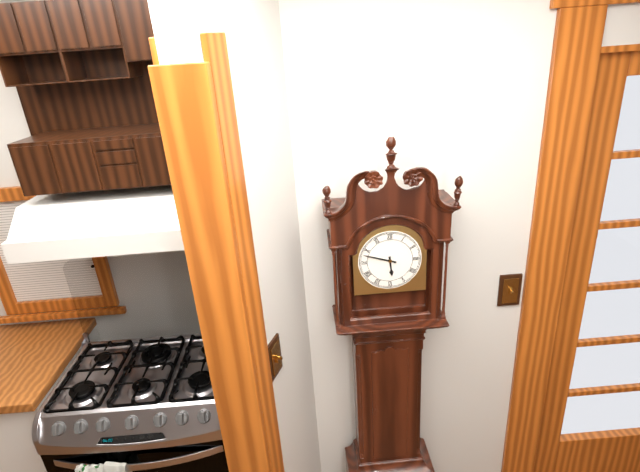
h=5 m=48
